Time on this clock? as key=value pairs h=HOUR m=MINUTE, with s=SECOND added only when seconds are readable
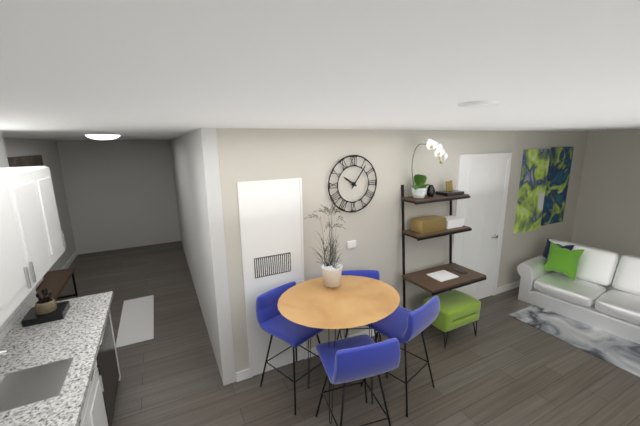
h=10 m=6
